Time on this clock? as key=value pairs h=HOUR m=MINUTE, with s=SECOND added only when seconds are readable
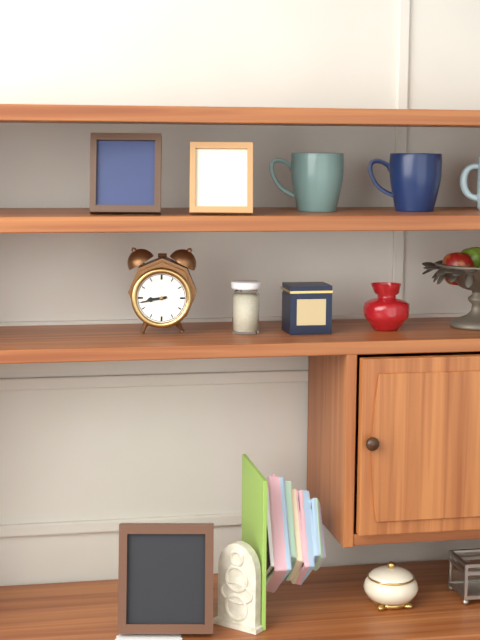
h=8 m=43
